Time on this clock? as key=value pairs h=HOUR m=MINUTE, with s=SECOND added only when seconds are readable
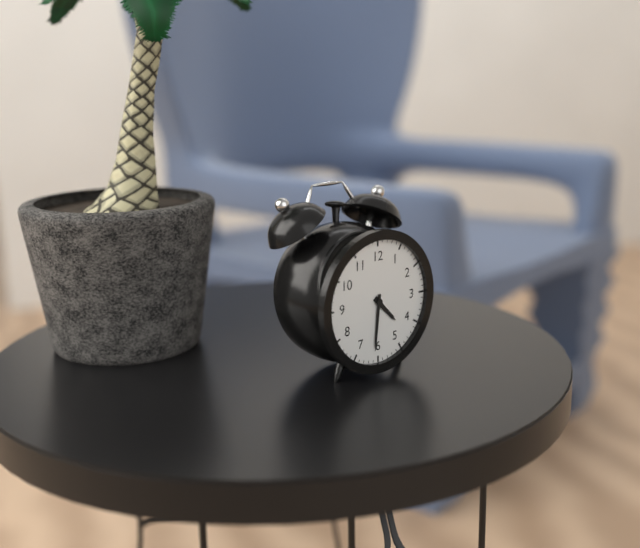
h=4 m=31
